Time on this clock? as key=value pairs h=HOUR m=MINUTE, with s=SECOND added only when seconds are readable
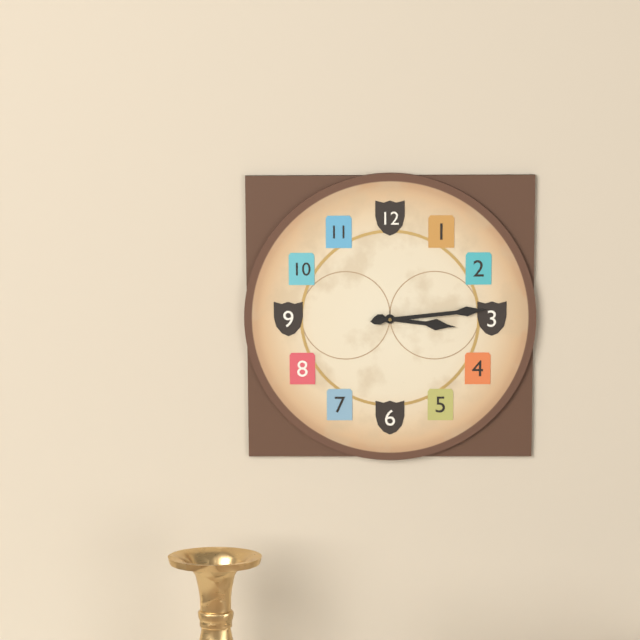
h=3 m=14
